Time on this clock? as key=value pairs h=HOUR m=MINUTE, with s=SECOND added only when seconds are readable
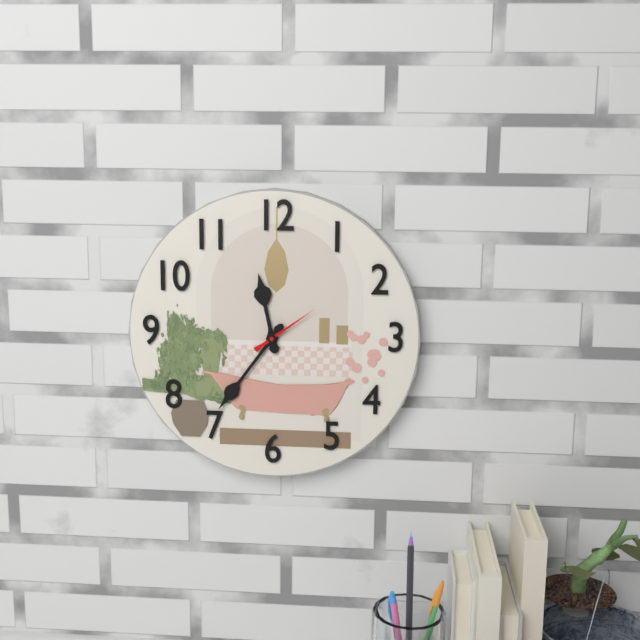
h=11 m=36 s=9
